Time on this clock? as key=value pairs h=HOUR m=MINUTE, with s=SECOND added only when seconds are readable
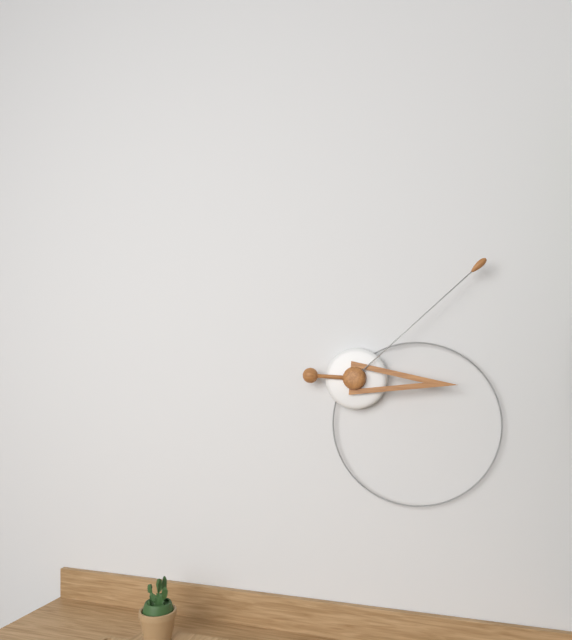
h=3 m=8
